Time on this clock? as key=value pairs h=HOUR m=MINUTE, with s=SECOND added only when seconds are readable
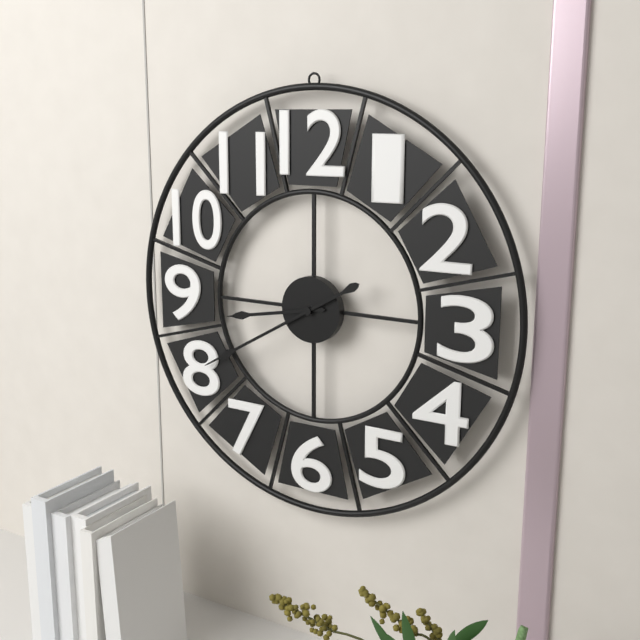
h=8 m=40
